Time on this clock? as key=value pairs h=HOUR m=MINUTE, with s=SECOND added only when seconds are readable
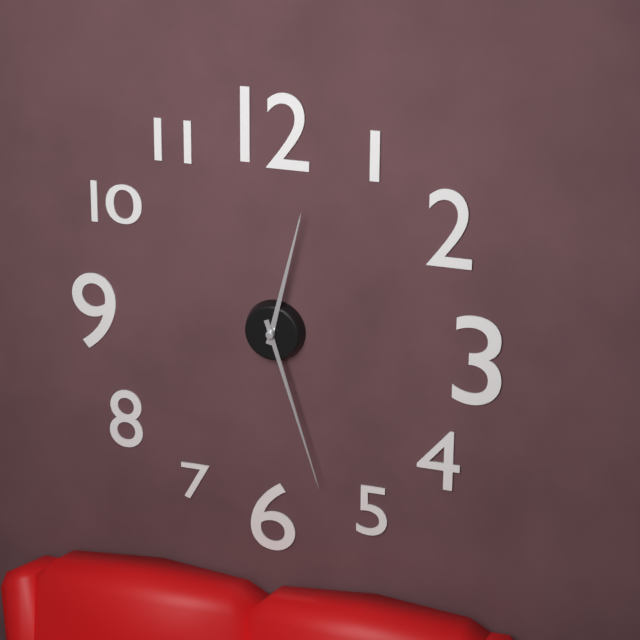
h=12 m=27
